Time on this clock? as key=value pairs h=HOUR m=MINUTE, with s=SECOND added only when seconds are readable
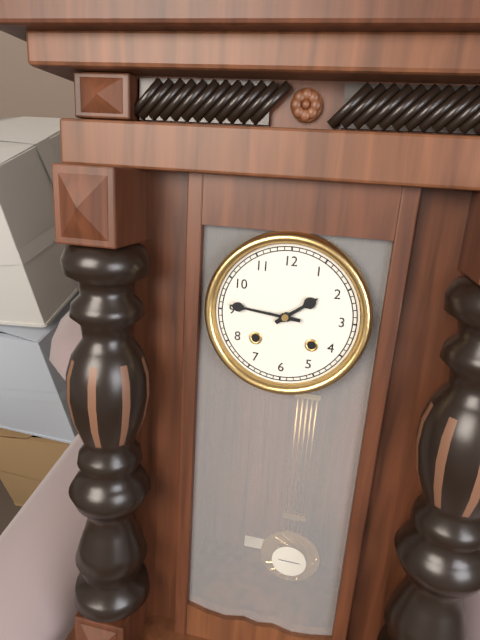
h=1 m=46
